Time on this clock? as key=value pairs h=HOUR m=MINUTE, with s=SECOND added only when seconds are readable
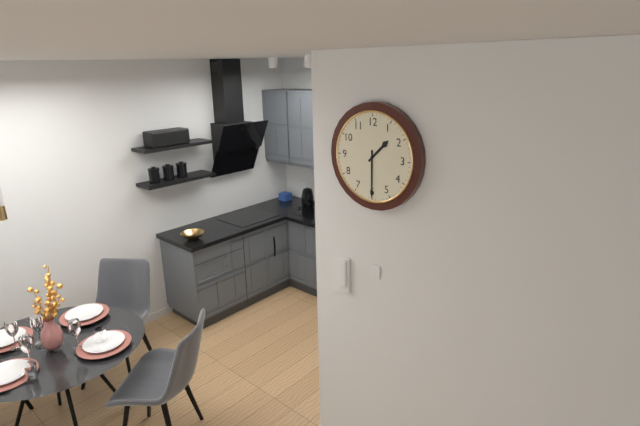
h=1 m=30
